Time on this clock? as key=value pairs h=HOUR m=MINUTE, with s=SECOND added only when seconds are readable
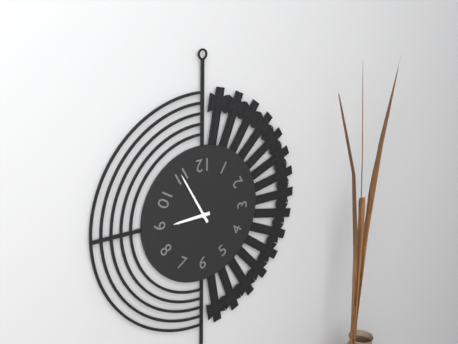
h=8 m=55
